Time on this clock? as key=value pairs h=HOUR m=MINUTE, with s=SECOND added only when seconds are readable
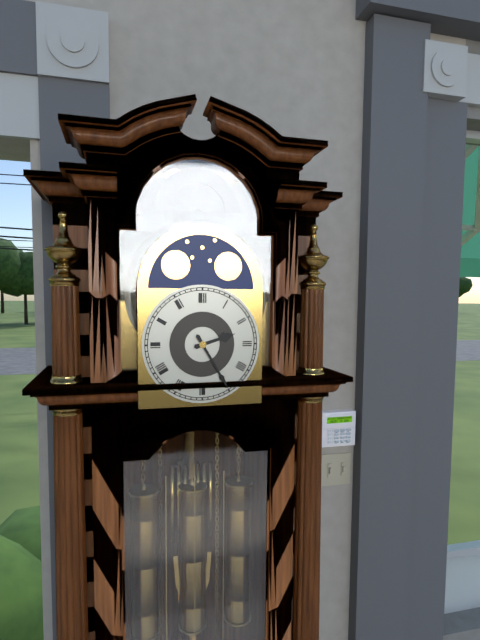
h=2 m=25
